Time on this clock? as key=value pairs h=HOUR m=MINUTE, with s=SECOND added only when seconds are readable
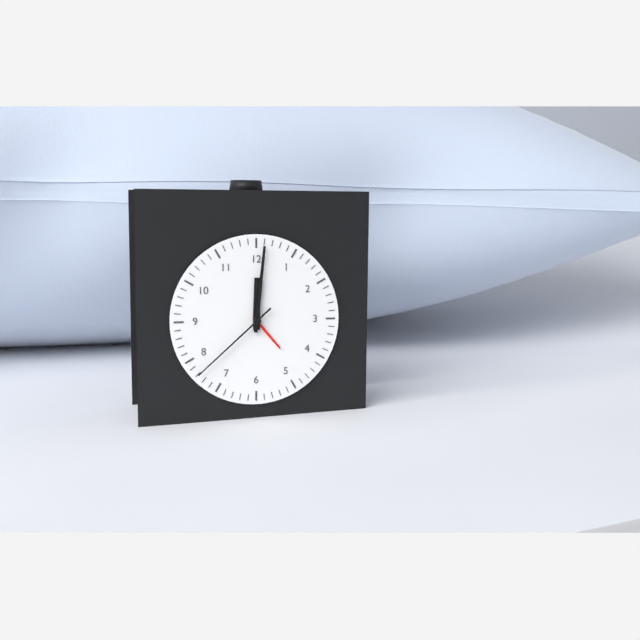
h=12 m=1 s=38
